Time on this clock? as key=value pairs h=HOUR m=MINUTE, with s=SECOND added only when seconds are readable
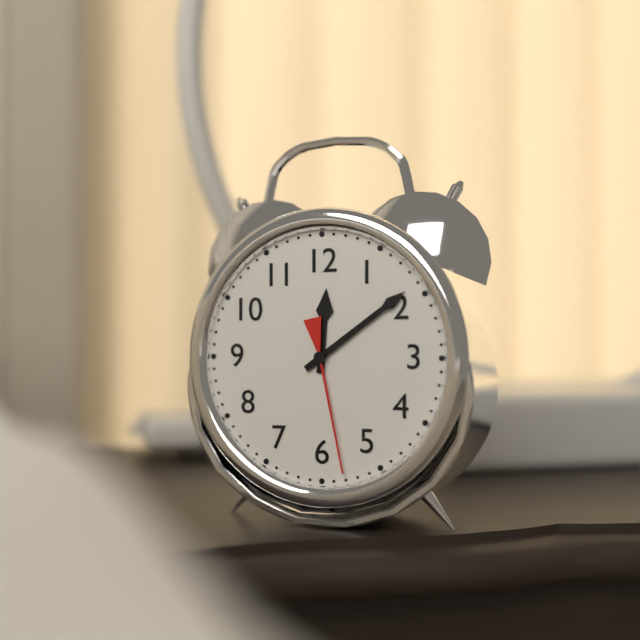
h=12 m=9 s=28
